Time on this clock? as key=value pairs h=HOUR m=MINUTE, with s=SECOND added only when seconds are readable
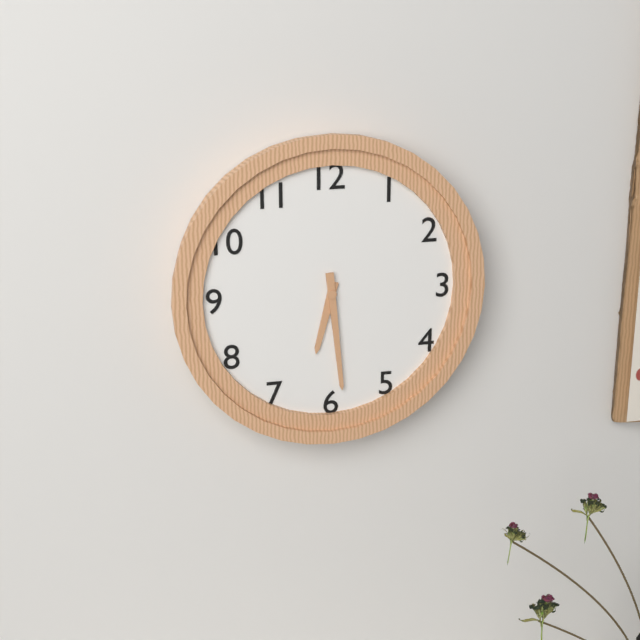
h=6 m=29
